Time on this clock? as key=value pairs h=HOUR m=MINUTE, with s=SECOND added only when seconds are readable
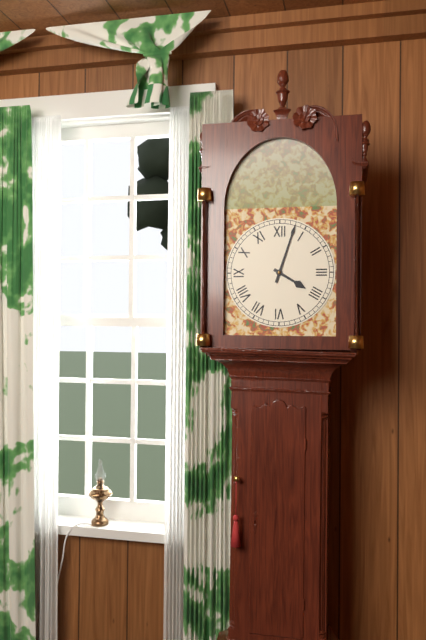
h=4 m=3
